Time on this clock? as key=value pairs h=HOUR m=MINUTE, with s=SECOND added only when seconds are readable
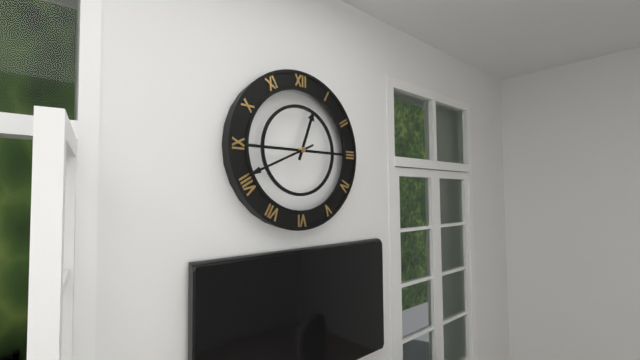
h=12 m=41
